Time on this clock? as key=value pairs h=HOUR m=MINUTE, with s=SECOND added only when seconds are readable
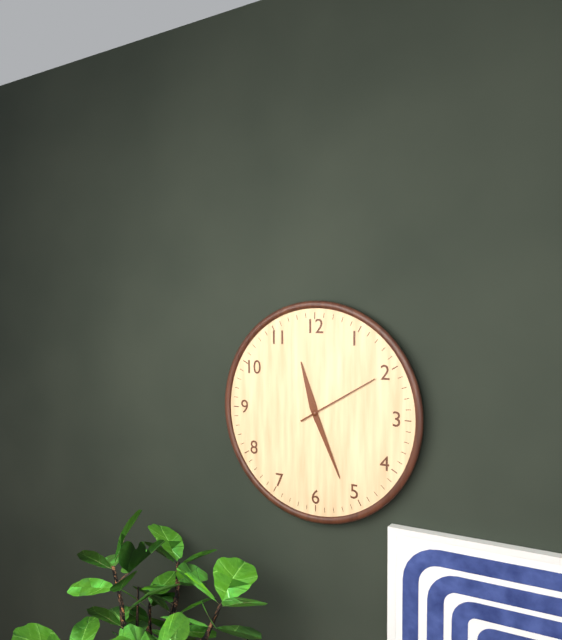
h=11 m=26 s=10
